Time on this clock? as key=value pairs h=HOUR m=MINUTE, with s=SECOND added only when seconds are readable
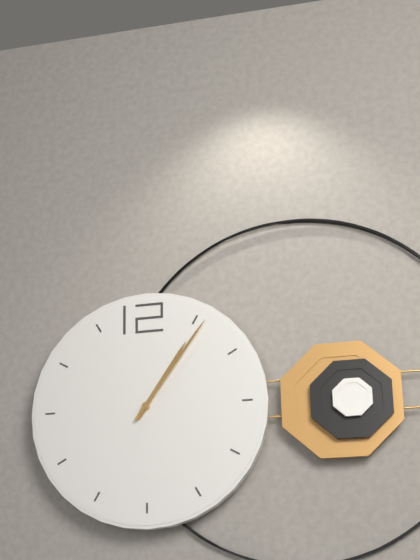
h=1 m=6
